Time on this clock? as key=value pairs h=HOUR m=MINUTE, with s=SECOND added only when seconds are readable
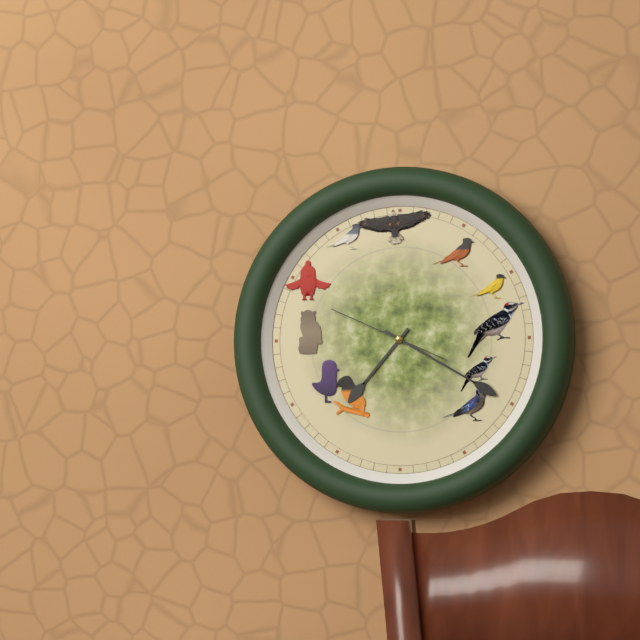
h=7 m=20 s=49
